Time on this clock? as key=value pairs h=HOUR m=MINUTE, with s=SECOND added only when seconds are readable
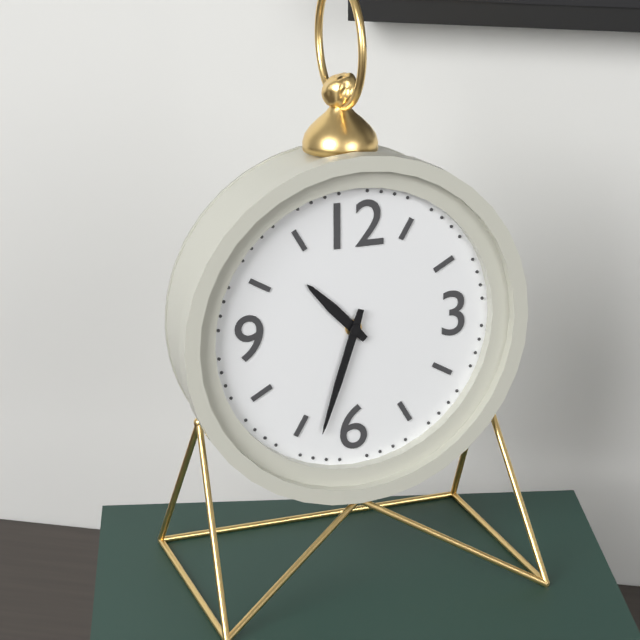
h=10 m=33
